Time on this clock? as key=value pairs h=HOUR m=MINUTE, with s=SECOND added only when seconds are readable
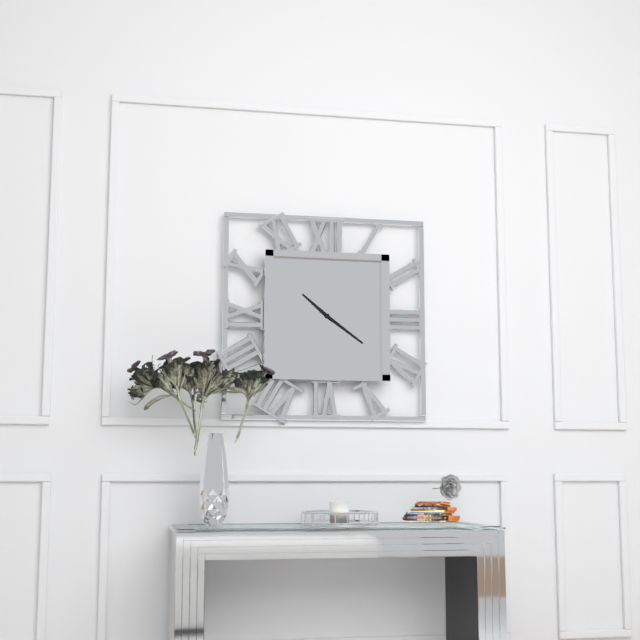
h=10 m=21
